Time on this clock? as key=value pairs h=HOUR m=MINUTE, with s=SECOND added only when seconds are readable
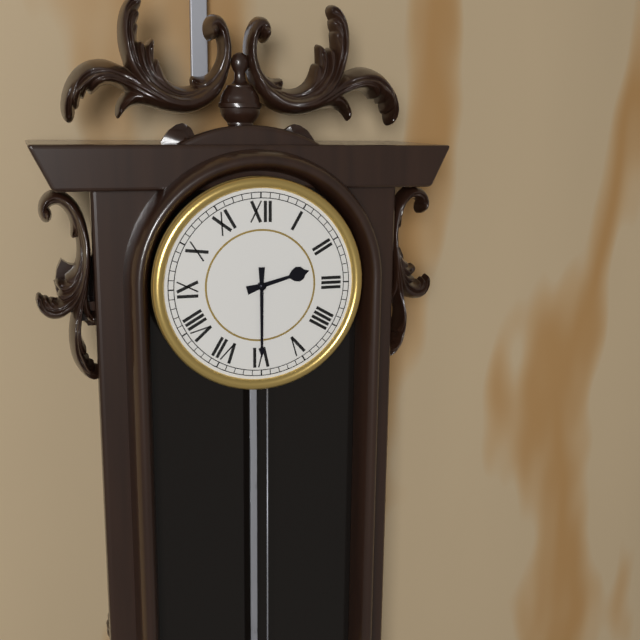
h=2 m=30
